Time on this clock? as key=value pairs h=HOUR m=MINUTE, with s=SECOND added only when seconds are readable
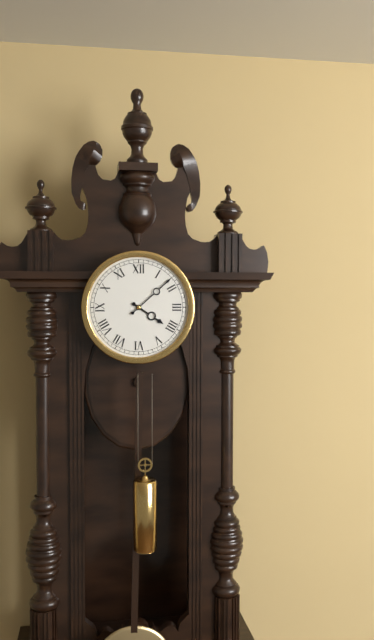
h=4 m=8
